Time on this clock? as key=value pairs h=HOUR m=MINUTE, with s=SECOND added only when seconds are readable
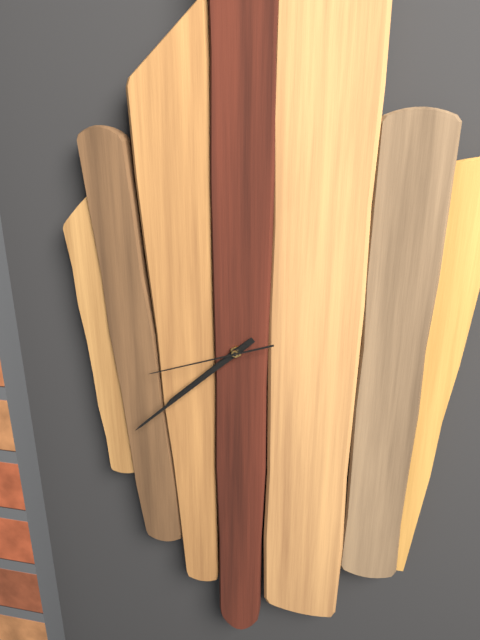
h=7 m=38 s=42
